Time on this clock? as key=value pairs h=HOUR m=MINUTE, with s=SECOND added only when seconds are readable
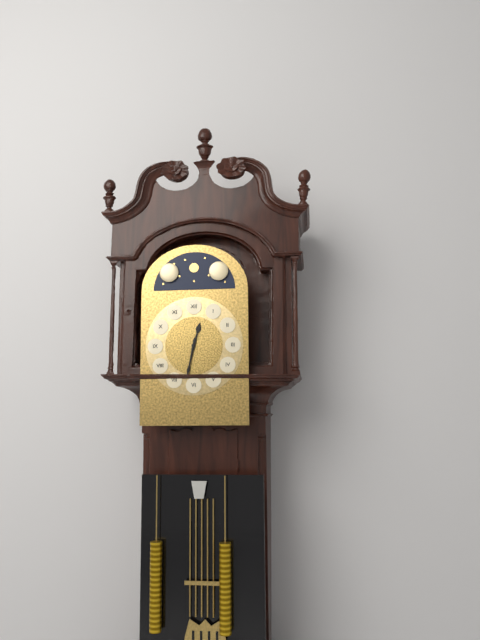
h=12 m=32
